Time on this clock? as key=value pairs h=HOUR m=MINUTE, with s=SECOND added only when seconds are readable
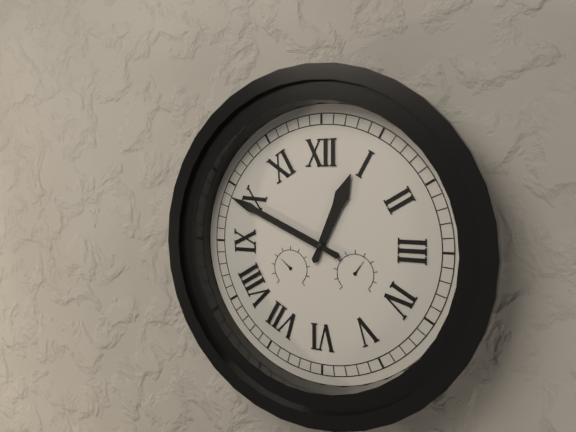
h=12 m=49
